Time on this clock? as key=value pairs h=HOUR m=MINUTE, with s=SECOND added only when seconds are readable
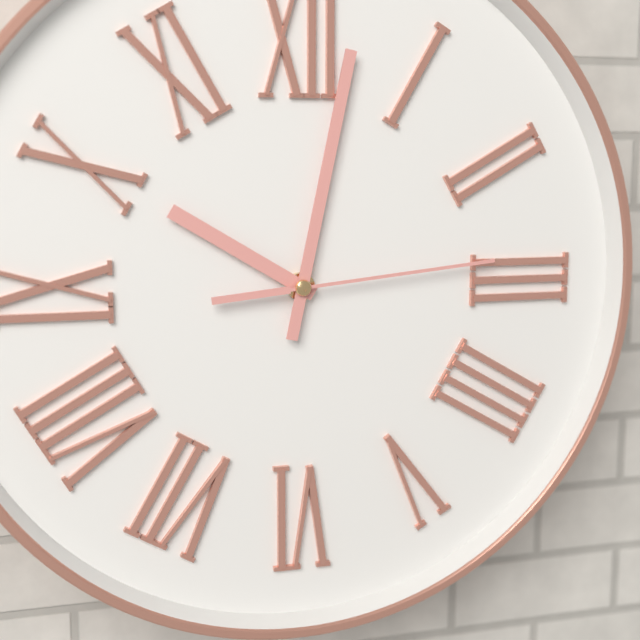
h=10 m=2 s=14
